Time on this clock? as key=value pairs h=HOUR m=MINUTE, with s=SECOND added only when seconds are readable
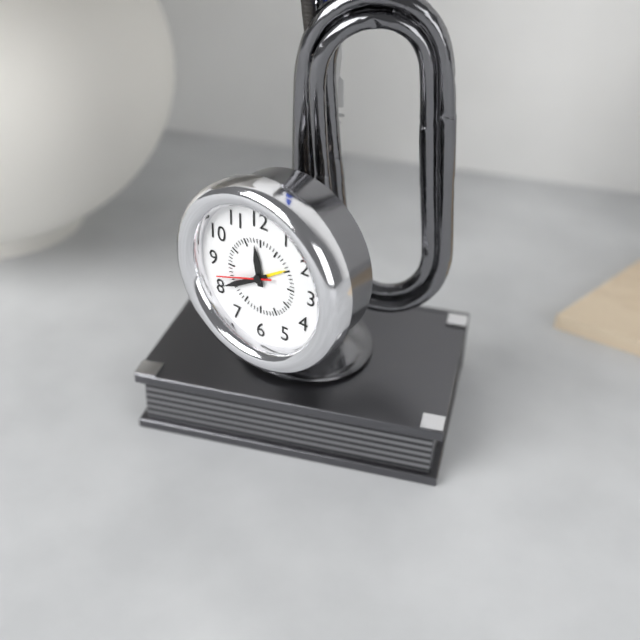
h=11 m=40 s=42
